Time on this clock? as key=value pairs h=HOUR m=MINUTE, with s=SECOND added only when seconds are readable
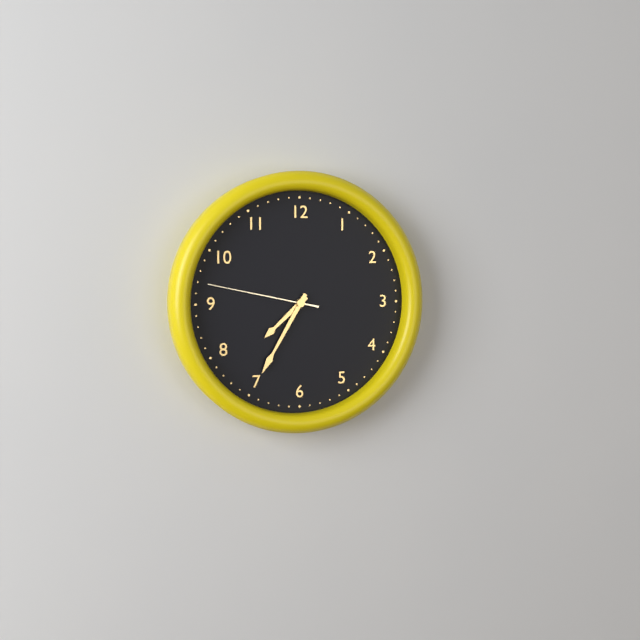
h=7 m=35 s=47
